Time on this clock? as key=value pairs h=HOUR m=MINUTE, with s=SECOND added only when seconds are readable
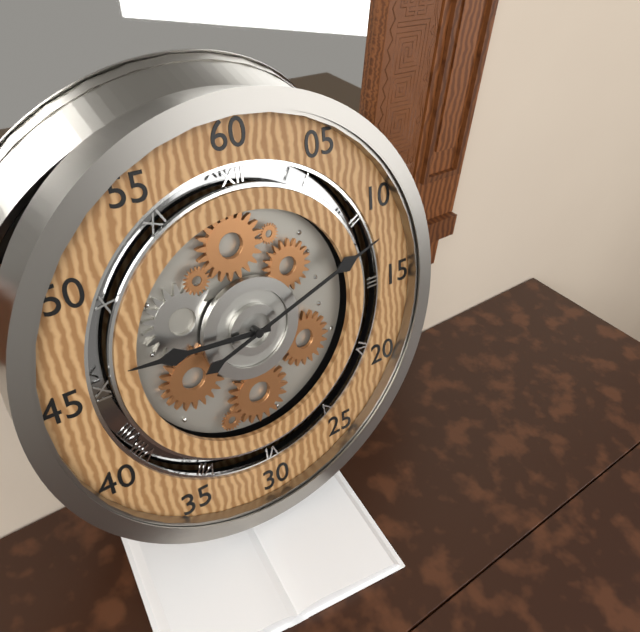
h=9 m=12
